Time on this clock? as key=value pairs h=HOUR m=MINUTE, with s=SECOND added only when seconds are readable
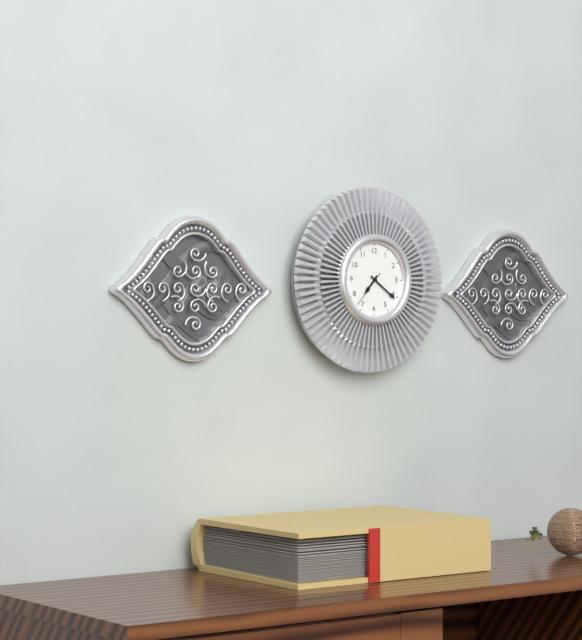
h=7 m=21
